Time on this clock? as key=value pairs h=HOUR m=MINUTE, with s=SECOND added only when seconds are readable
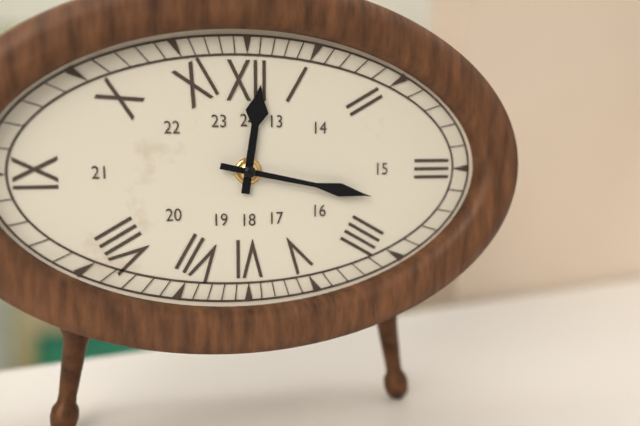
h=12 m=17
